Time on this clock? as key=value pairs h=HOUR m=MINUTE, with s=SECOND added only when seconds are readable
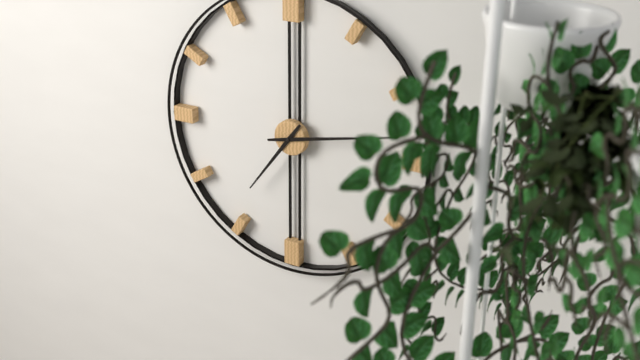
h=7 m=13
